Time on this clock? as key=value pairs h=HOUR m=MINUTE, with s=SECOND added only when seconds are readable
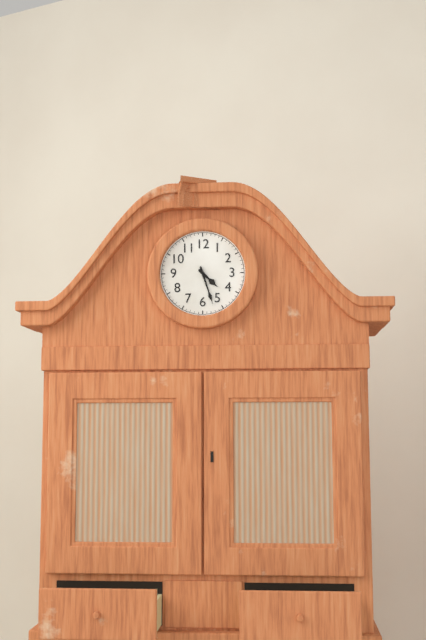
h=4 m=27
